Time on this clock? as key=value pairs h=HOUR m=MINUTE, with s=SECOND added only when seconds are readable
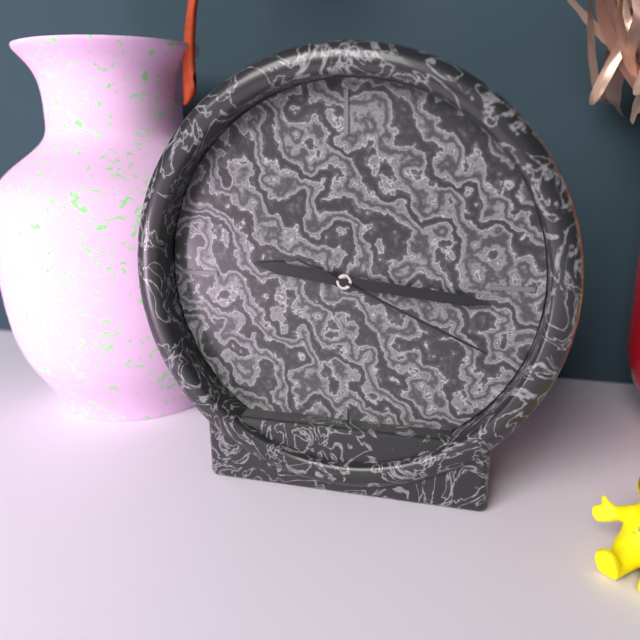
h=9 m=16 s=19
